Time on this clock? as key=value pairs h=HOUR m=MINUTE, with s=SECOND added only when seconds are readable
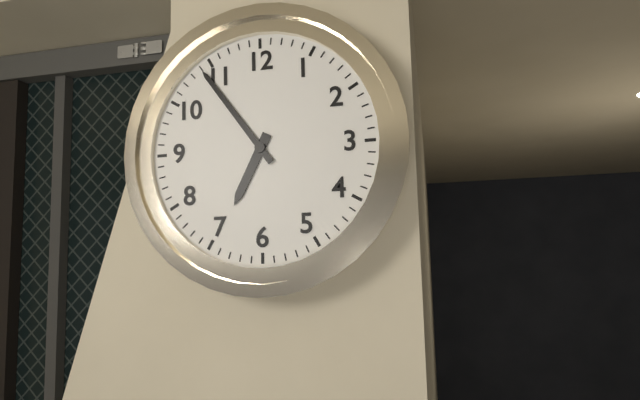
h=6 m=54
